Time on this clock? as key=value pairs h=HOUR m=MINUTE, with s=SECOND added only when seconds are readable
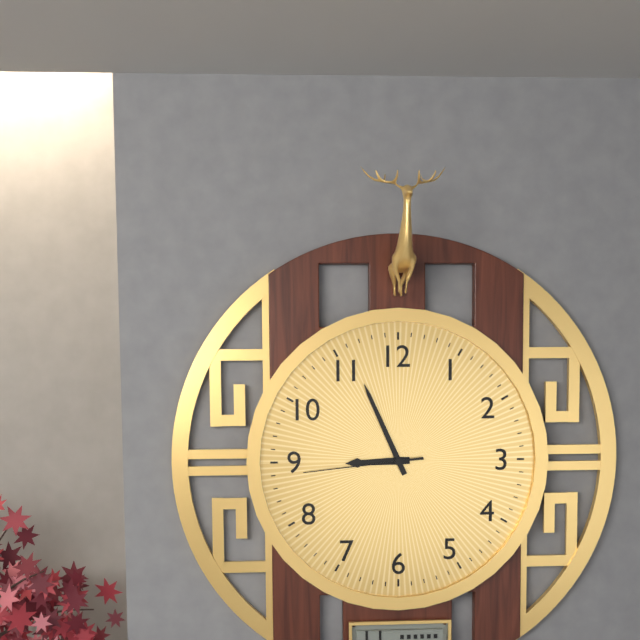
h=8 m=56 s=44
